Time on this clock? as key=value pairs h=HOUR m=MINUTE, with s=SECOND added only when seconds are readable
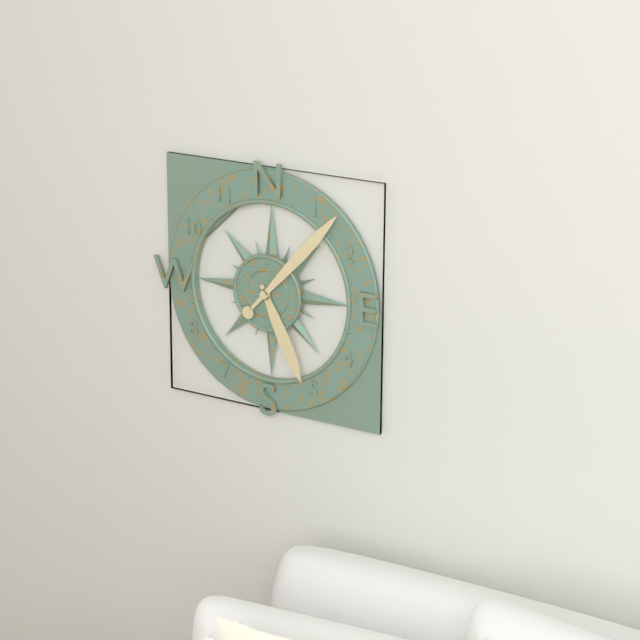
h=5 m=7
